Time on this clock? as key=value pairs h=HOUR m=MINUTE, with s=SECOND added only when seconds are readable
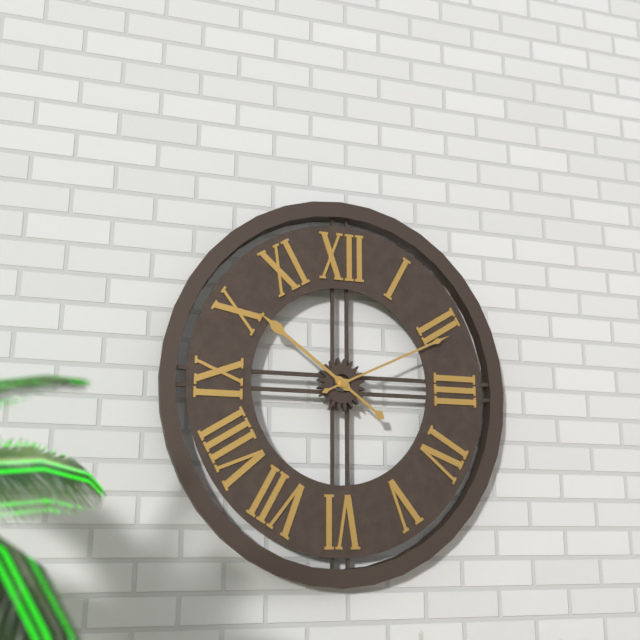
h=10 m=11
